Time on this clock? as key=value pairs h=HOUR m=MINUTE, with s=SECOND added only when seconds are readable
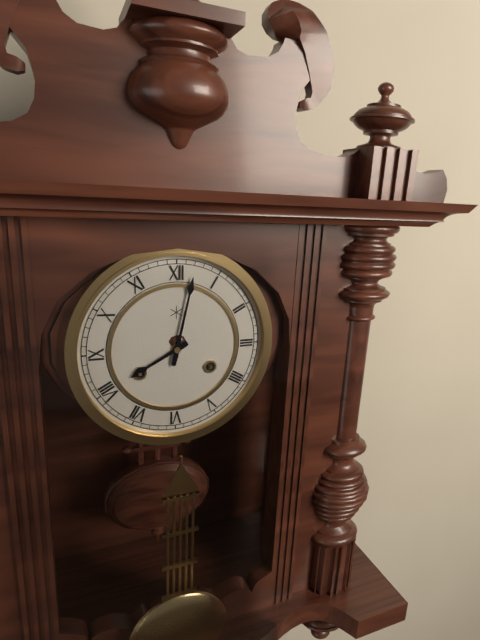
h=8 m=2
